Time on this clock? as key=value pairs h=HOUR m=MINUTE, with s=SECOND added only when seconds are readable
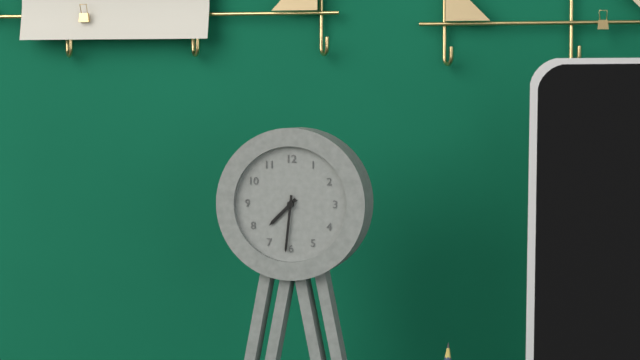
h=7 m=31
